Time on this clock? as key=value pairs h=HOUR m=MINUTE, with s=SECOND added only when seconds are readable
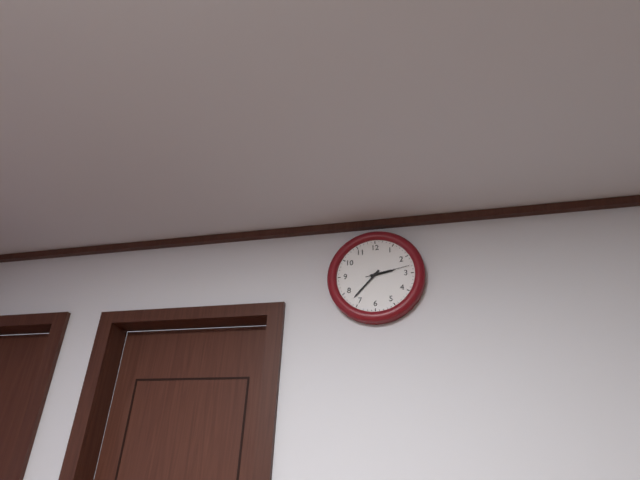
h=2 m=37
